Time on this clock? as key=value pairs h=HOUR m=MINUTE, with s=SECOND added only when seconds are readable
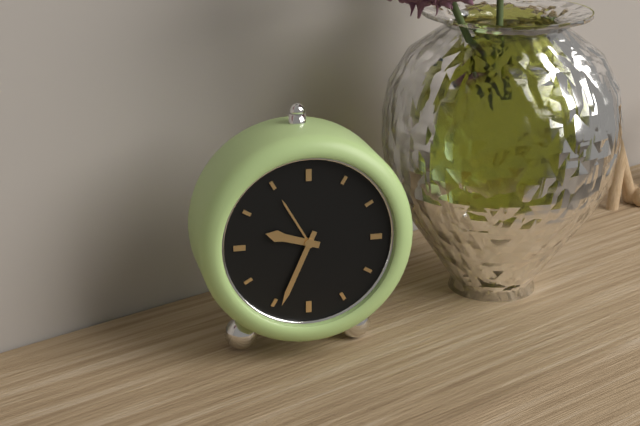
h=9 m=34
